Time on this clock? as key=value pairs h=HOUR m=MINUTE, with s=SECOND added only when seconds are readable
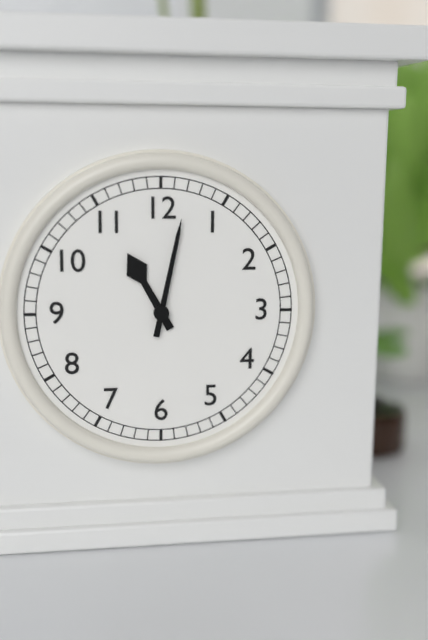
h=11 m=2
